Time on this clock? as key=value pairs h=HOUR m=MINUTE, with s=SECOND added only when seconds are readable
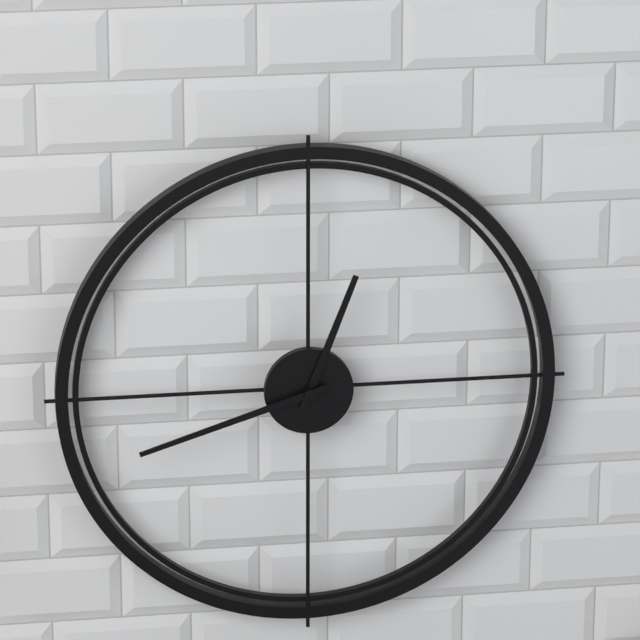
h=12 m=42
